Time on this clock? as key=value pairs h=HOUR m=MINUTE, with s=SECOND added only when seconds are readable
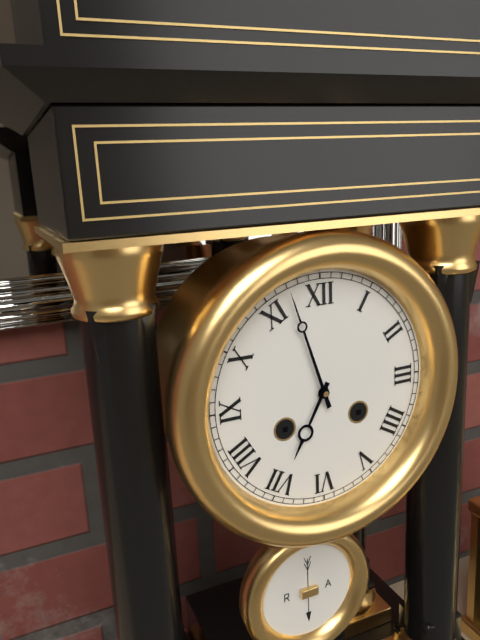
h=6 m=57
